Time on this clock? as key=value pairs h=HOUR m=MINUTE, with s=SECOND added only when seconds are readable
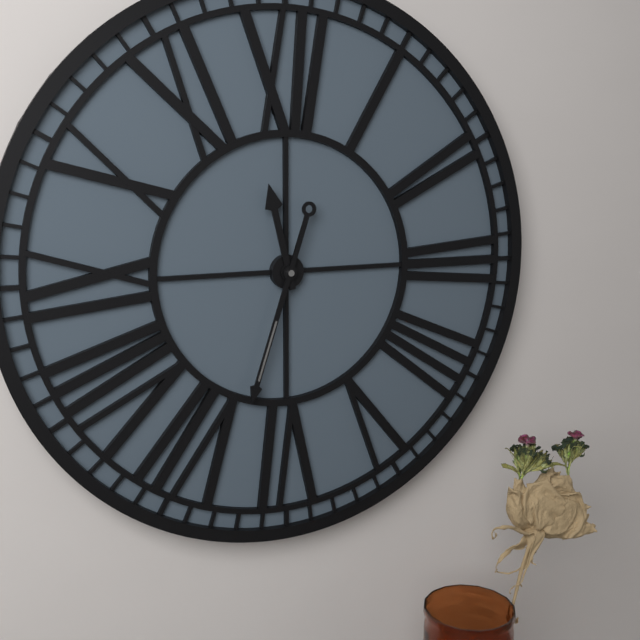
h=11 m=33
